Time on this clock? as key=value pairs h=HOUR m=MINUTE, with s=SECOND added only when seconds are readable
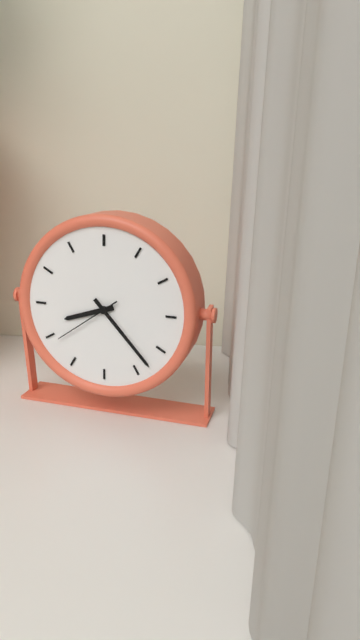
h=8 m=23 s=39
